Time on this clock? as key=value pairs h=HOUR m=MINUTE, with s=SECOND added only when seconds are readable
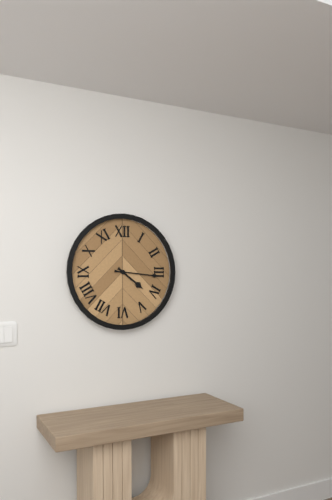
h=4 m=16
